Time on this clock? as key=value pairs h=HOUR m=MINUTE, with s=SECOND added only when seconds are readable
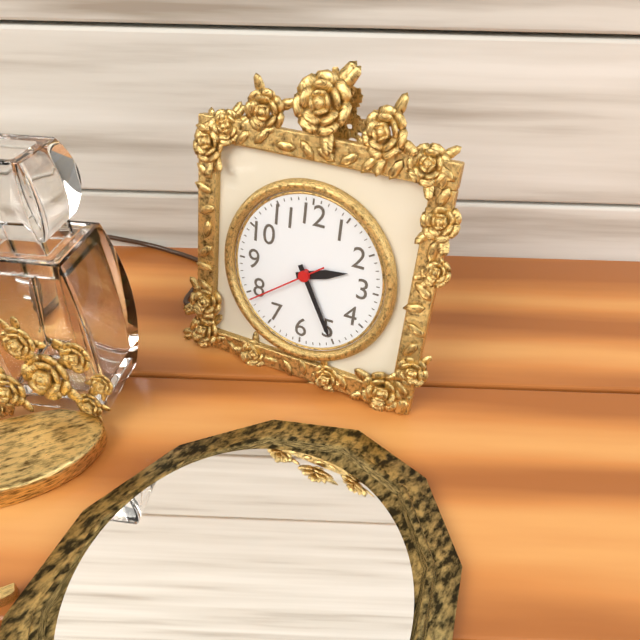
h=2 m=25 s=39
